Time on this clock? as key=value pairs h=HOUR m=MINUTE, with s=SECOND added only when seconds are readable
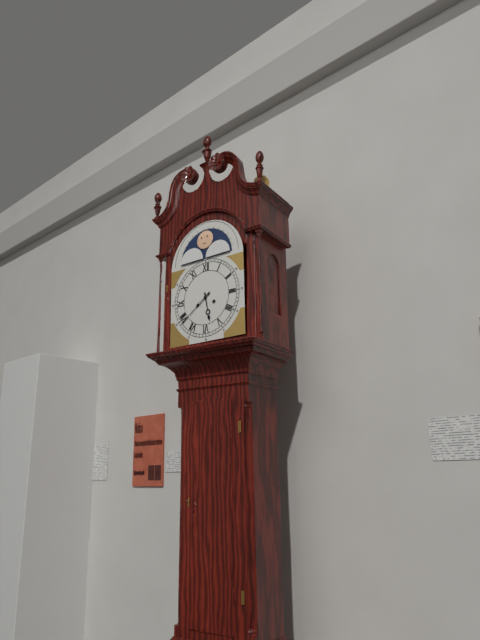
h=5 m=39
